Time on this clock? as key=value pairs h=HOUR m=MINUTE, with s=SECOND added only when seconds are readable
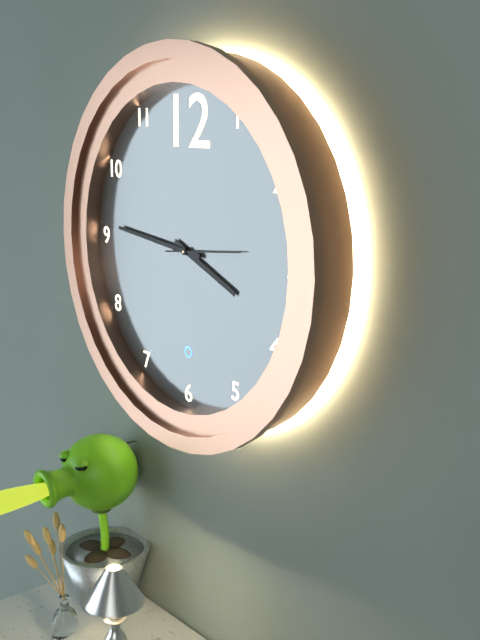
h=3 m=46 s=14
